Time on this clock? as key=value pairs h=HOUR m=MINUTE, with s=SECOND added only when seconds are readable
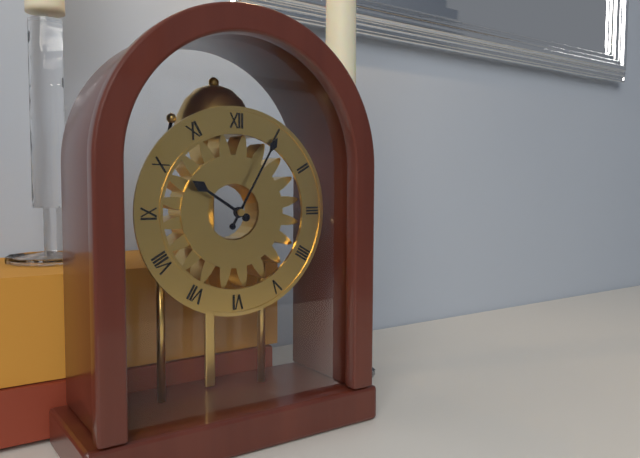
h=10 m=5
